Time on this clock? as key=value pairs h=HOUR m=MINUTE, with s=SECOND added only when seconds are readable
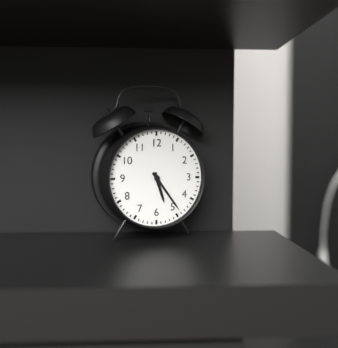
h=5 m=24
